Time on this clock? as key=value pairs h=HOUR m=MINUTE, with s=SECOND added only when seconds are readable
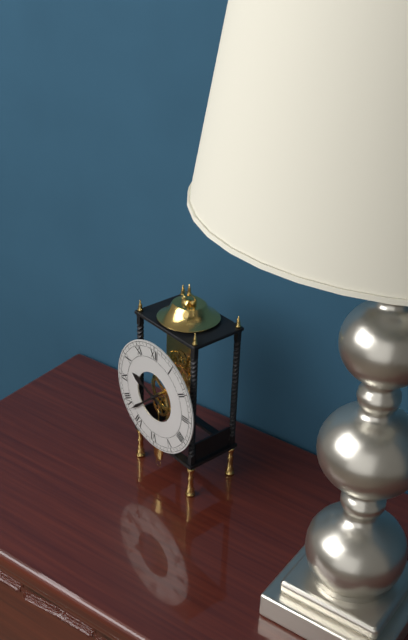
h=9 m=38
